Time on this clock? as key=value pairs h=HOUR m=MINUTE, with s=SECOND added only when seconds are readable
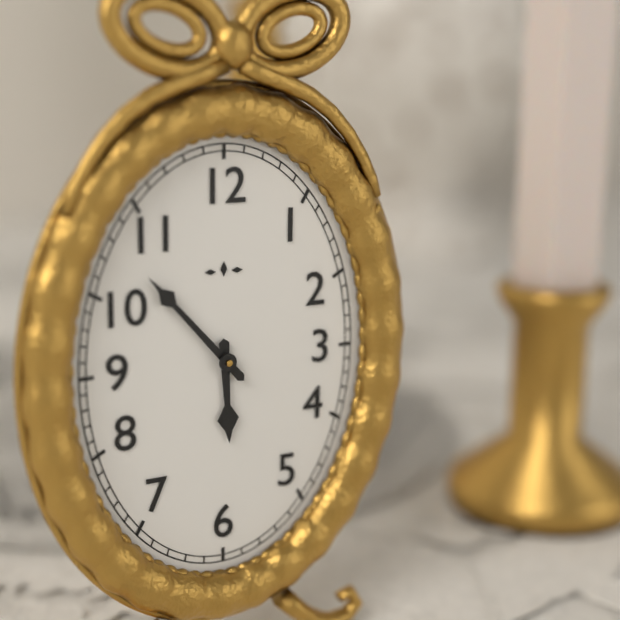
h=5 m=53
